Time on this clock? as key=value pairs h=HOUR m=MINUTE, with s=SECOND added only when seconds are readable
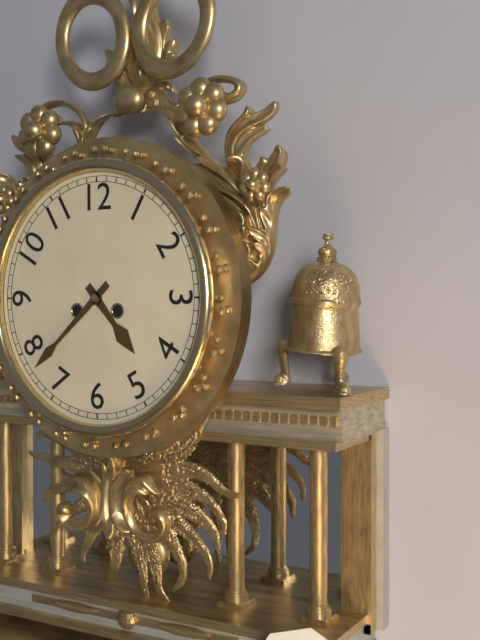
h=4 m=38
